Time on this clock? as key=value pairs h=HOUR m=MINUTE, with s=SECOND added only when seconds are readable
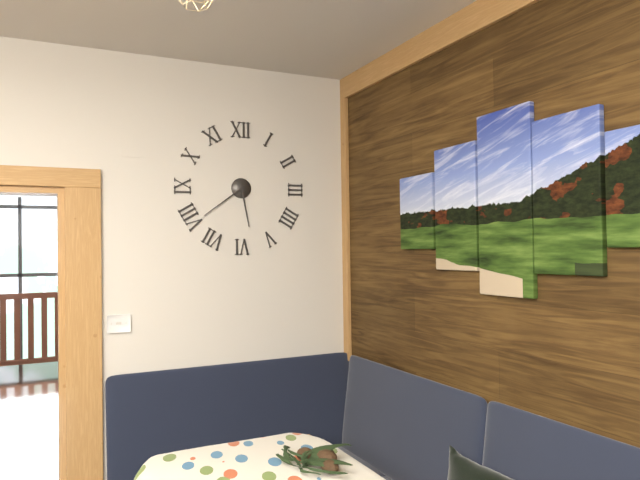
h=5 m=39
